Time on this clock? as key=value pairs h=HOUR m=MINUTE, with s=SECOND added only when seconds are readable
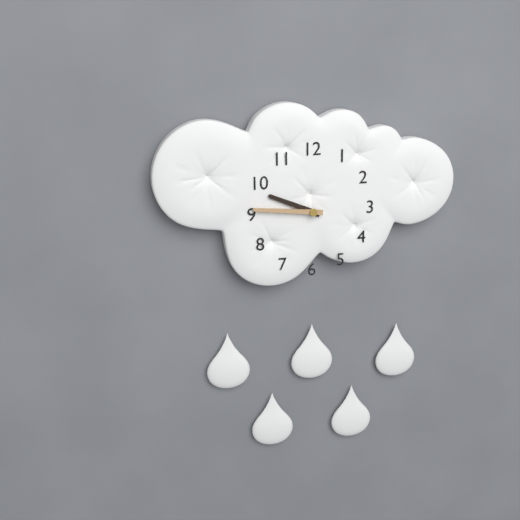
h=9 m=46
